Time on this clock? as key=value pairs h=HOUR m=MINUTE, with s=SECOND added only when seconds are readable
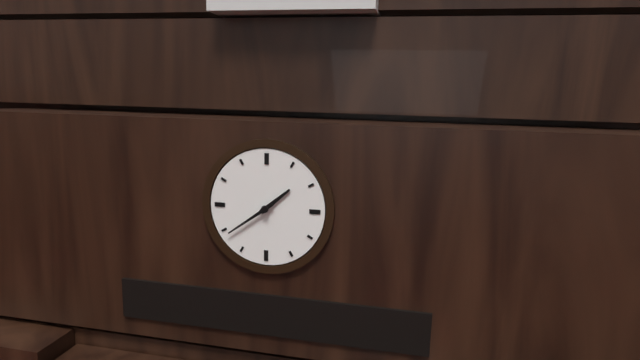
h=1 m=39
